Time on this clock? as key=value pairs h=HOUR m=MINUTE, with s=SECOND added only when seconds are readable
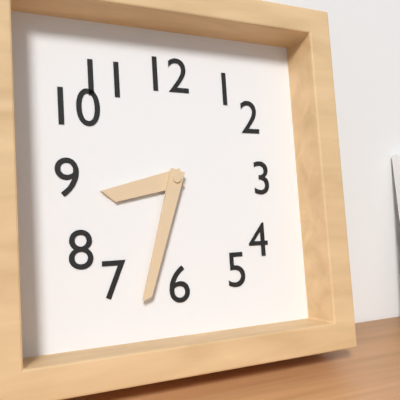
h=8 m=33
